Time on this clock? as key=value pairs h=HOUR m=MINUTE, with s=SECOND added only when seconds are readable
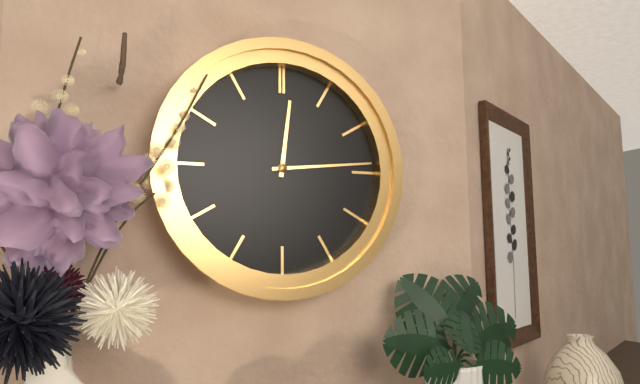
h=12 m=14
